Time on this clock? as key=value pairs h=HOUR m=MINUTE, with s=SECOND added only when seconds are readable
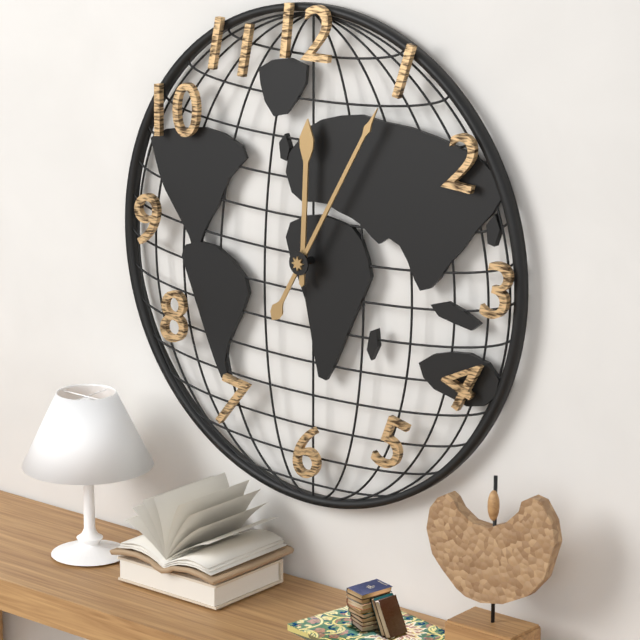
h=12 m=5
